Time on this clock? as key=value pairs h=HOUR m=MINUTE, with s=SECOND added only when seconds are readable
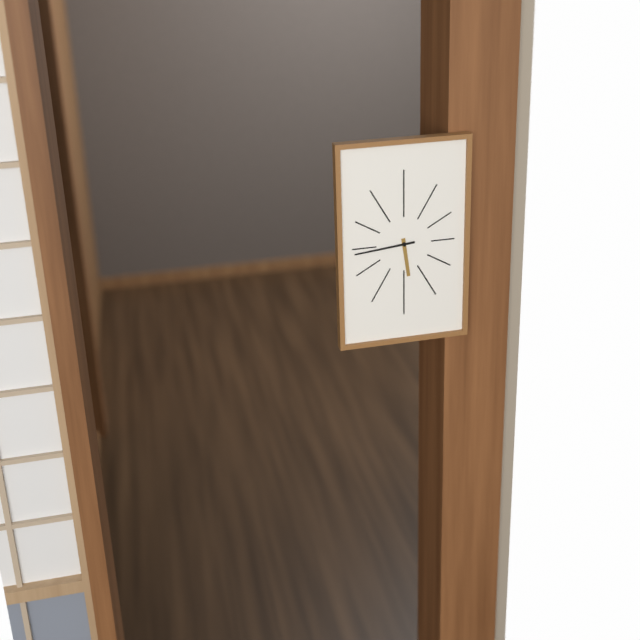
h=5 m=44
